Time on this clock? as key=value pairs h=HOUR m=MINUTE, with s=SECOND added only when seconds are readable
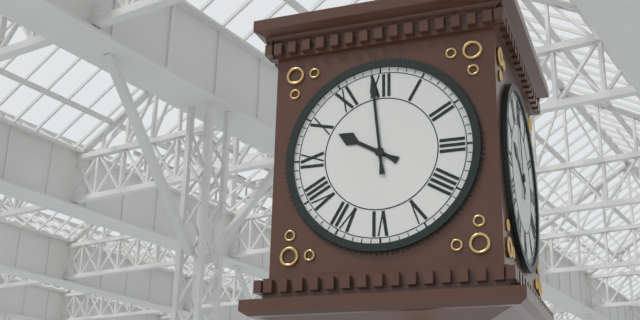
h=9 m=59
